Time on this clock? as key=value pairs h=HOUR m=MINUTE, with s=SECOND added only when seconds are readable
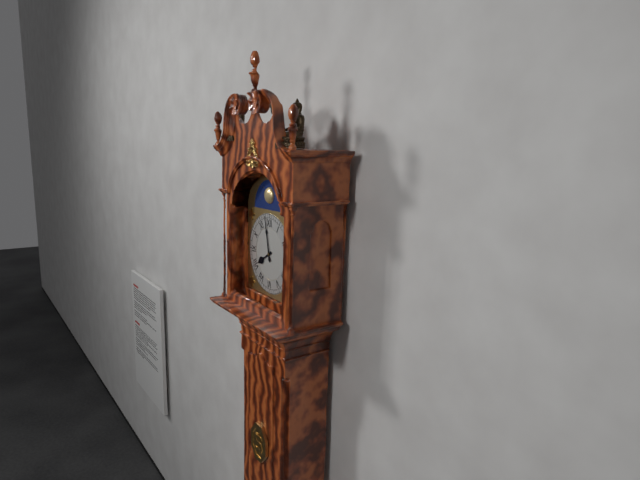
h=7 m=58
